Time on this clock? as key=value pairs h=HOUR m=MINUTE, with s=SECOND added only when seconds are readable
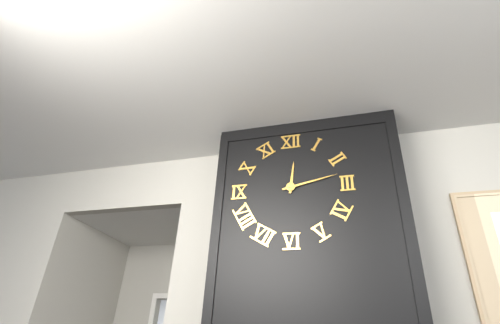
h=12 m=13
